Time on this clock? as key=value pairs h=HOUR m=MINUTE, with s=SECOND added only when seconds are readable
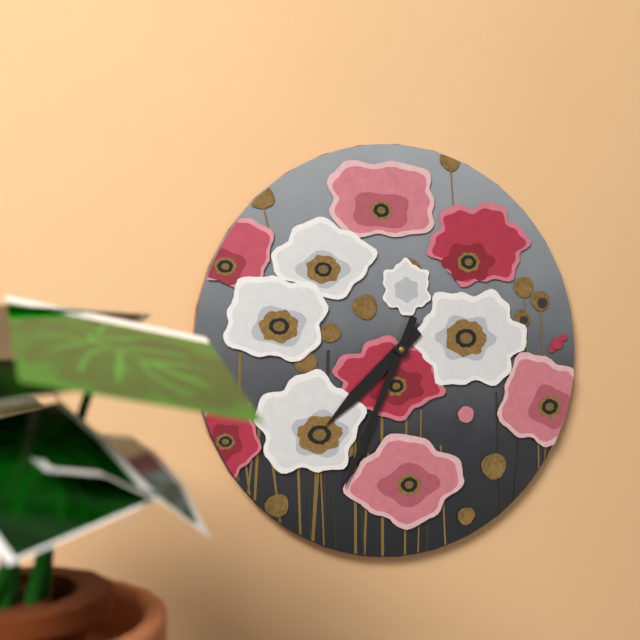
h=7 m=34
